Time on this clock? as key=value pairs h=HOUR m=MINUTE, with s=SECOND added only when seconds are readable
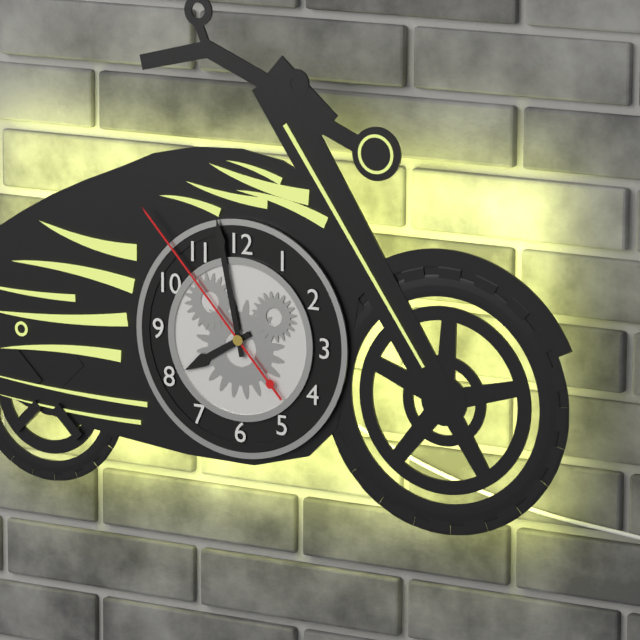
h=7 m=58 s=53
